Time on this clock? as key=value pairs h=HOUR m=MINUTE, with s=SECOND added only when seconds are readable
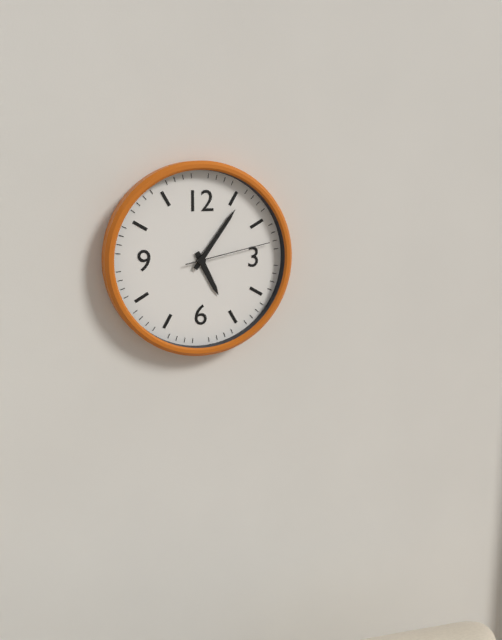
h=5 m=6 s=13
